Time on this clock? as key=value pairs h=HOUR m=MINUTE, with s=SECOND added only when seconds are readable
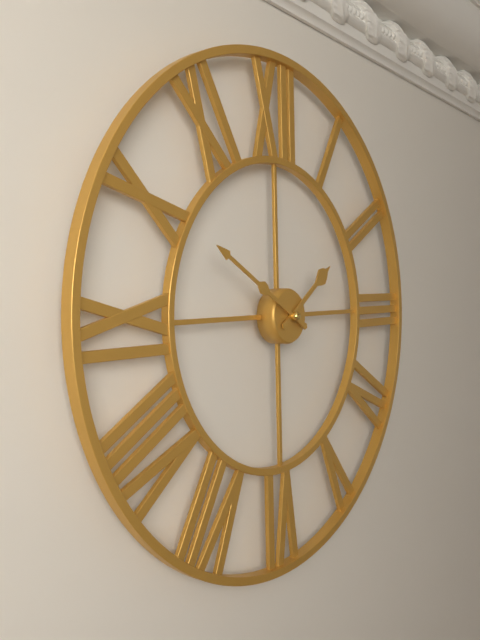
h=1 m=50
